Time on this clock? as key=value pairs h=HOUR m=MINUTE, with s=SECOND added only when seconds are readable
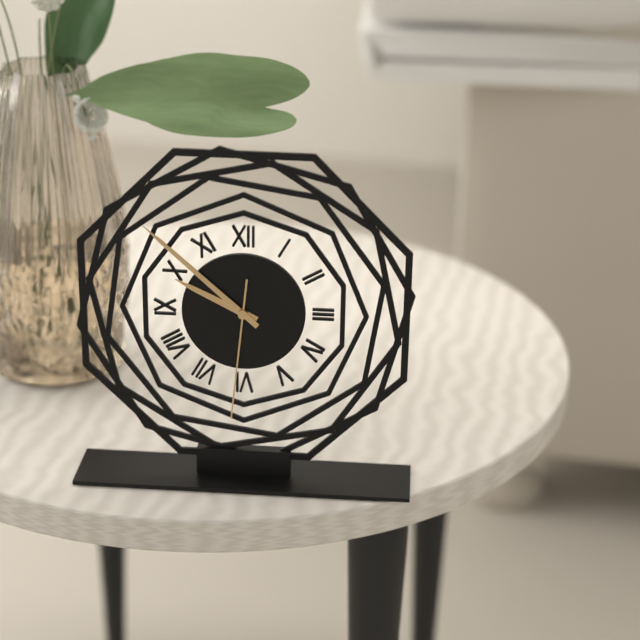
h=9 m=52 s=31
